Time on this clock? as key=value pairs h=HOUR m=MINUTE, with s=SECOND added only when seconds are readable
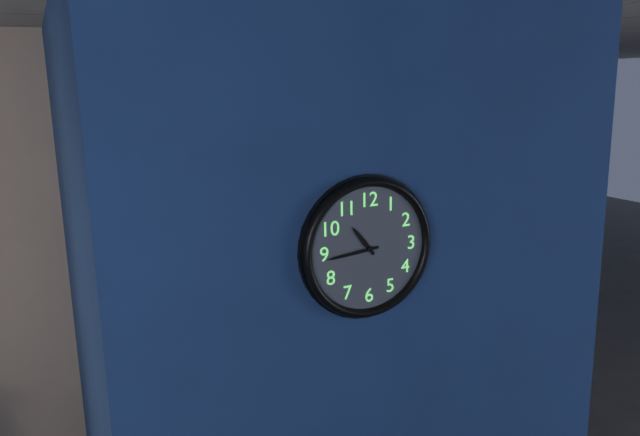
h=10 m=44
